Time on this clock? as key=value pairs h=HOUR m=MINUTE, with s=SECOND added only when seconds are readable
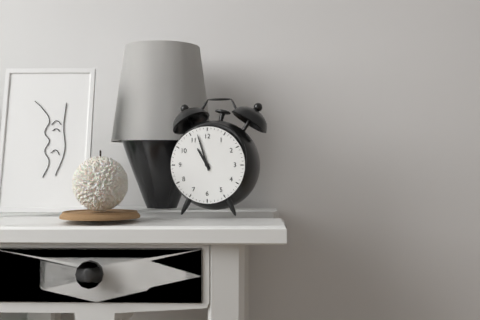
h=10 m=57
